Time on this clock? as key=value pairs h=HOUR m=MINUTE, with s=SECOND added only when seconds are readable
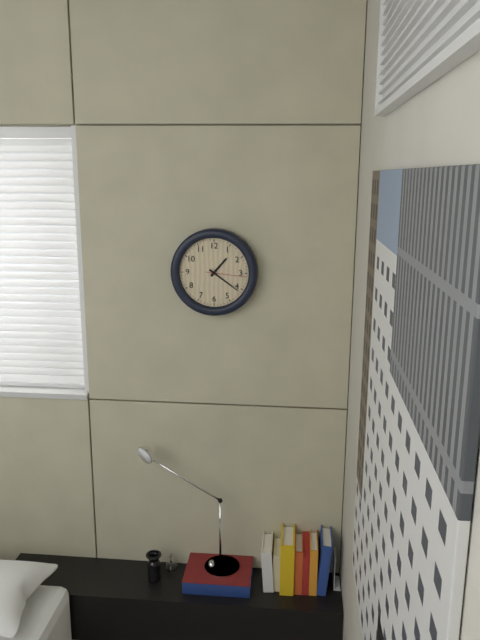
h=1 m=21
